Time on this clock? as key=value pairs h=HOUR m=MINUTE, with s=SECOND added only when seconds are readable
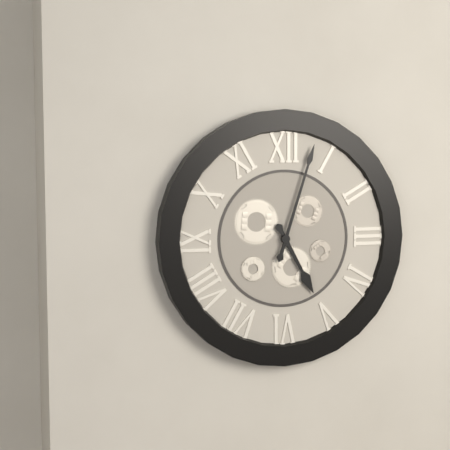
h=5 m=3
